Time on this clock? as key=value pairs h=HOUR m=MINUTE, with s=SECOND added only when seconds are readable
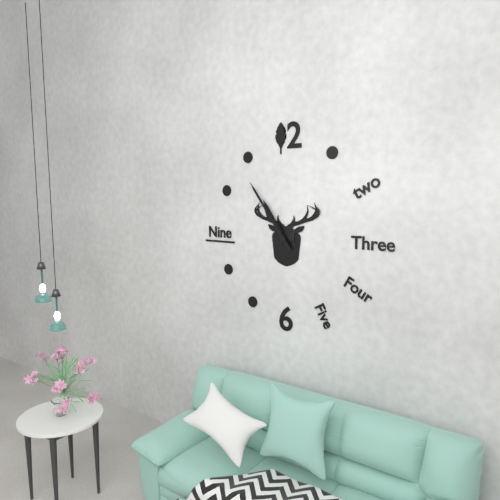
h=10 m=54
